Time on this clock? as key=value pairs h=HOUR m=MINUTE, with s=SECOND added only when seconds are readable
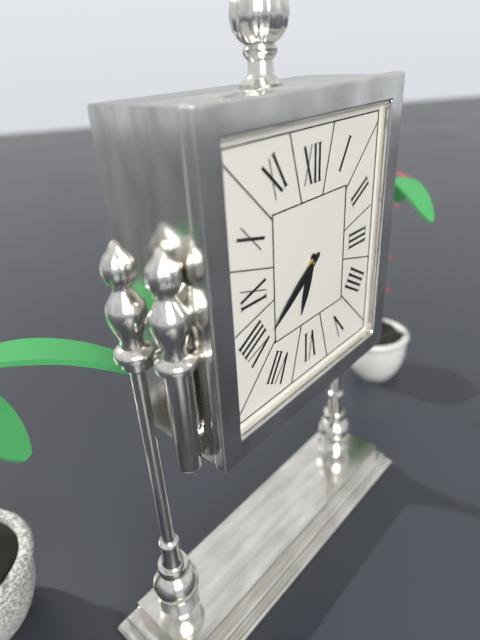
h=6 m=39
